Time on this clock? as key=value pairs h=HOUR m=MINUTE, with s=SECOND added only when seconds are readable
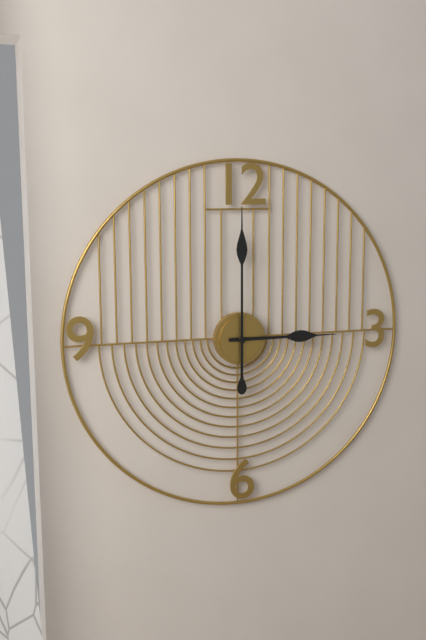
h=3 m=0
